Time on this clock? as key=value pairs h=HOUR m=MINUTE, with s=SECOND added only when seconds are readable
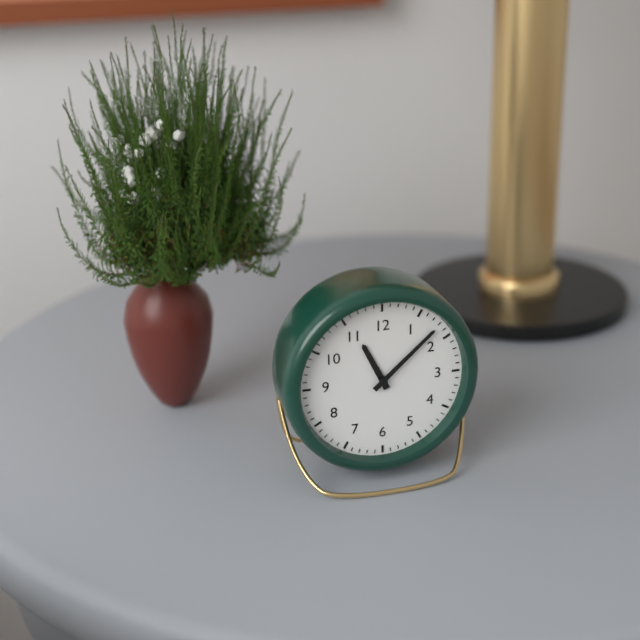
h=11 m=8
